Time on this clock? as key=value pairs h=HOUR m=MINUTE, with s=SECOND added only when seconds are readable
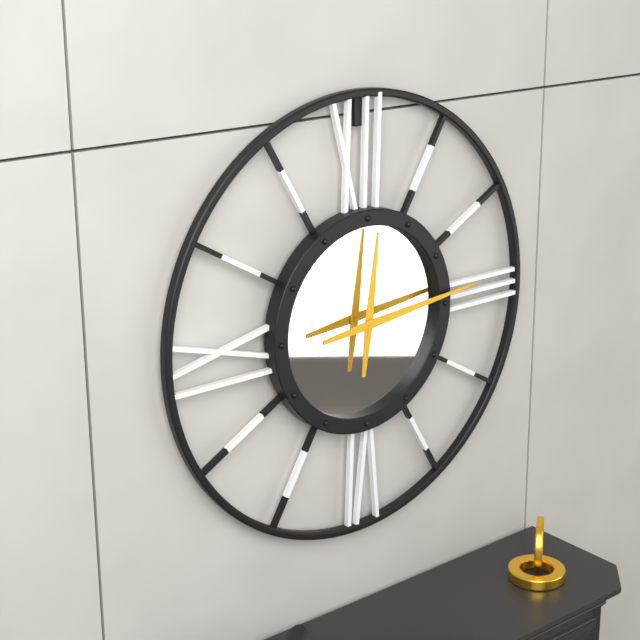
h=12 m=14
